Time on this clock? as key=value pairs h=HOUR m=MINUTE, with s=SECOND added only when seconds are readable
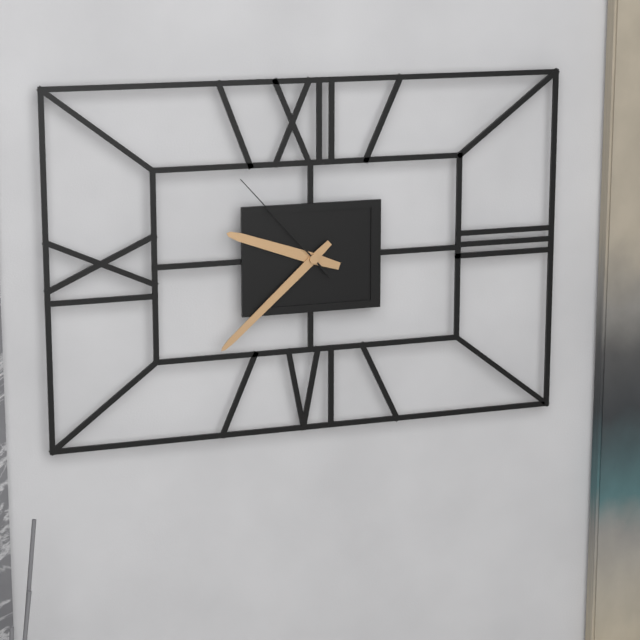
h=9 m=38 s=53
